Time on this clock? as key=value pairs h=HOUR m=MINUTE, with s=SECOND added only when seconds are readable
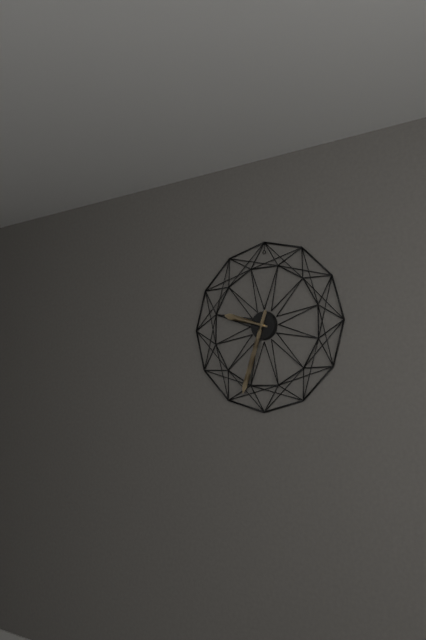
h=9 m=33
